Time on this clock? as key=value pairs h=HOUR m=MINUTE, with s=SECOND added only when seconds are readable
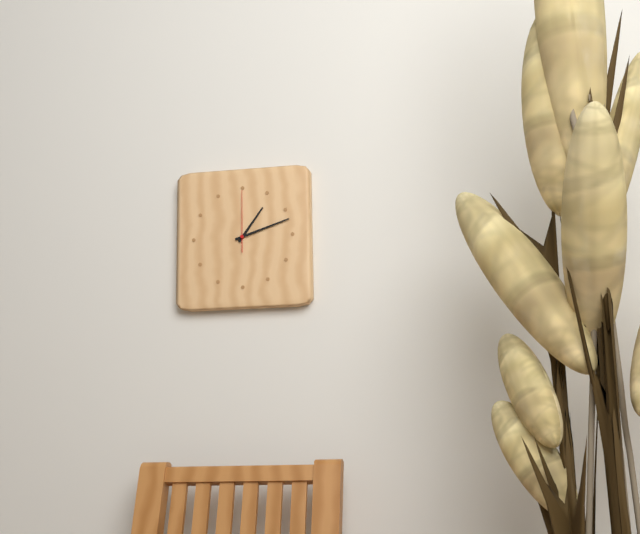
h=1 m=12 s=0
